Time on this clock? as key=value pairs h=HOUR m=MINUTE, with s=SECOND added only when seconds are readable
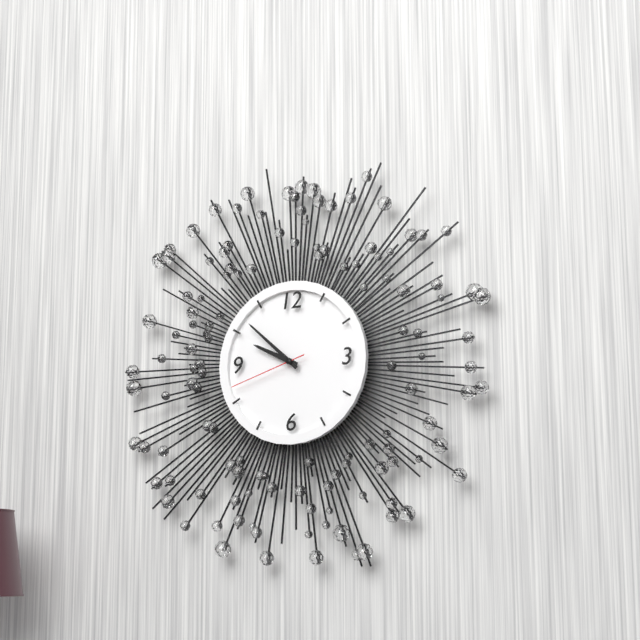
h=9 m=52 s=42
